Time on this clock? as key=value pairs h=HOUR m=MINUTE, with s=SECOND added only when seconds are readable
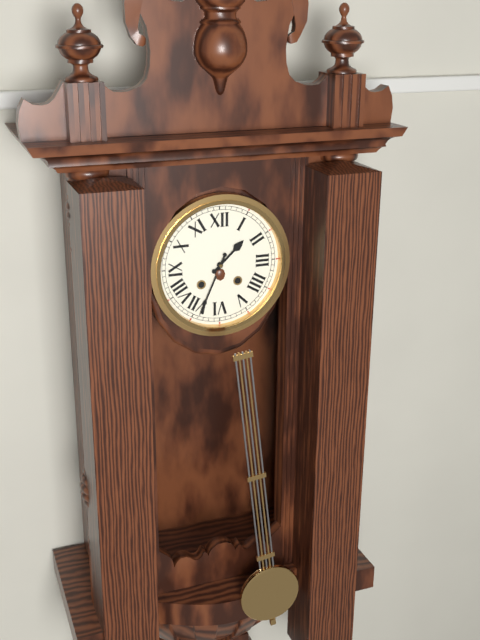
h=1 m=34
